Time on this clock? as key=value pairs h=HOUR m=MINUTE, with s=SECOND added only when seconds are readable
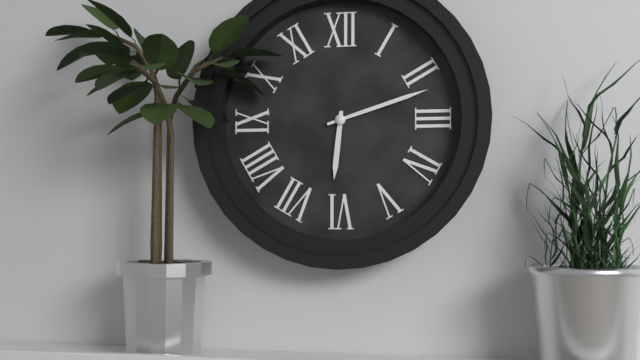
h=6 m=12
